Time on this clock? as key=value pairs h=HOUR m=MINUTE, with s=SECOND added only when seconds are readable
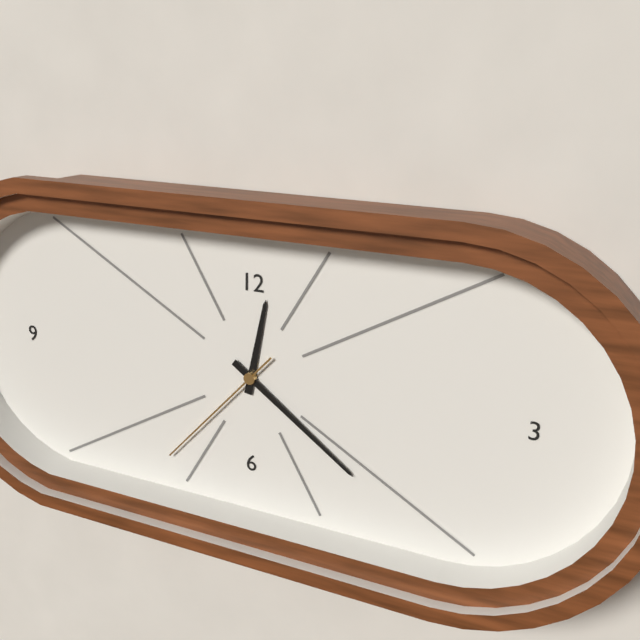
h=12 m=21 s=37
